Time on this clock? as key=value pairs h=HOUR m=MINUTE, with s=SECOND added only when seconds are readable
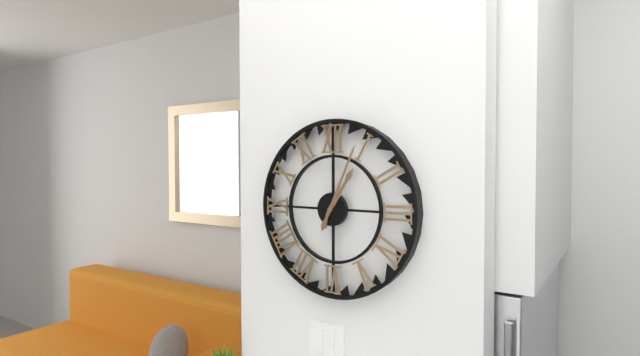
h=1 m=4
